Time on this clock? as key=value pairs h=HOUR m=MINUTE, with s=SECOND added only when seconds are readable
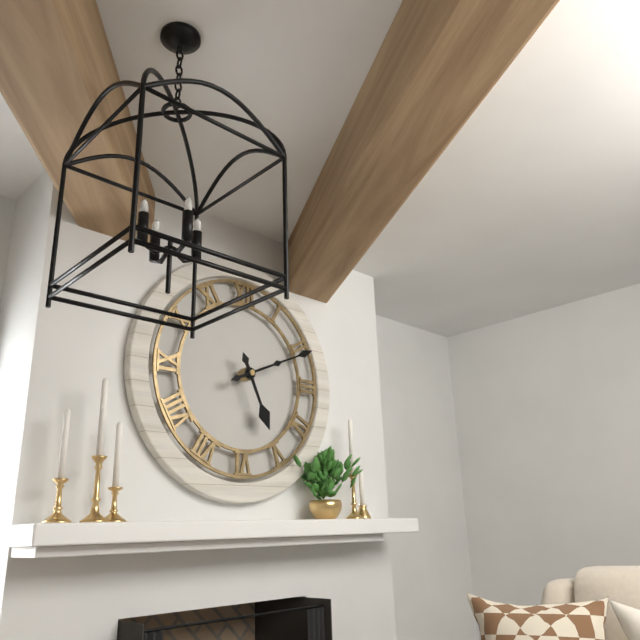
h=5 m=11
